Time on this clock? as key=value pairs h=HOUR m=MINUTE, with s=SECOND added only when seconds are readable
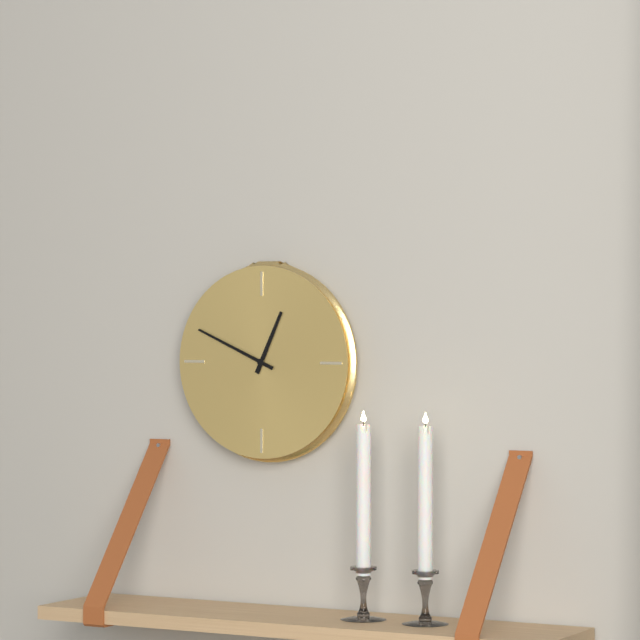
h=12 m=49
